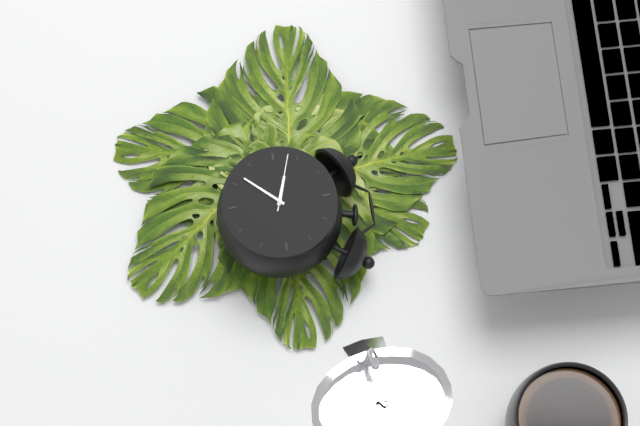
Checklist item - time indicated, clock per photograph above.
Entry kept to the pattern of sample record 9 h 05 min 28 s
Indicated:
9 h 37 min 48 s
